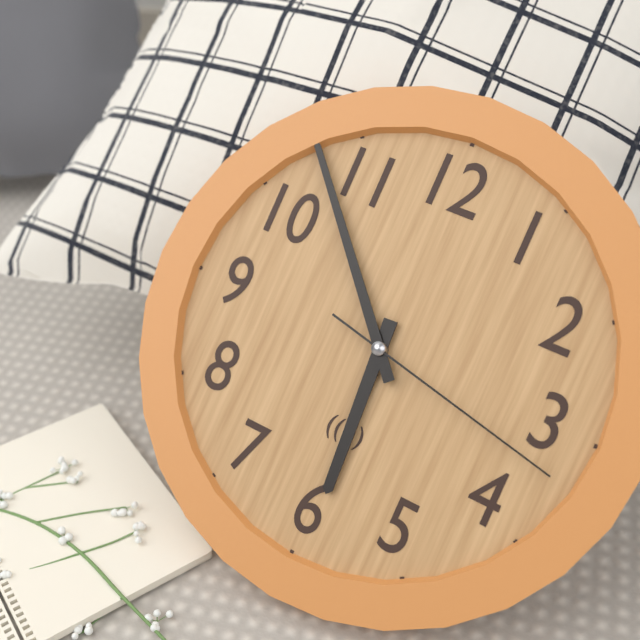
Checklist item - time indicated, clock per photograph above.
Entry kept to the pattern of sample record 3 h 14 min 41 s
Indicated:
5 h 53 min 17 s
